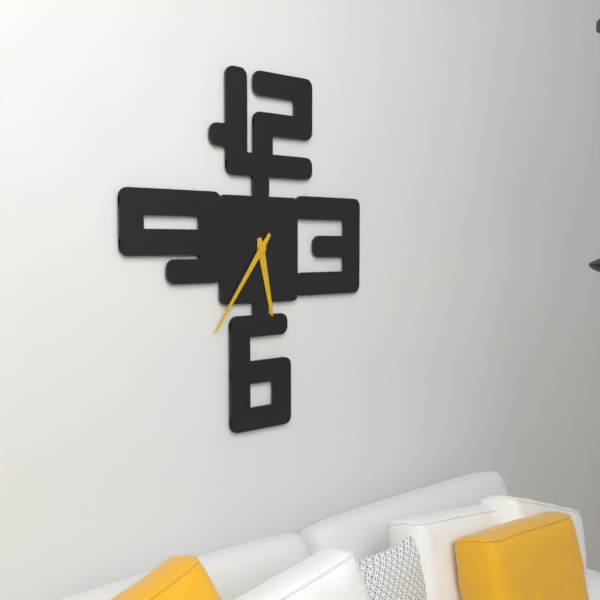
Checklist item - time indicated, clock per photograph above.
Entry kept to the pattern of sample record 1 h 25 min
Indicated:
5 h 36 min
